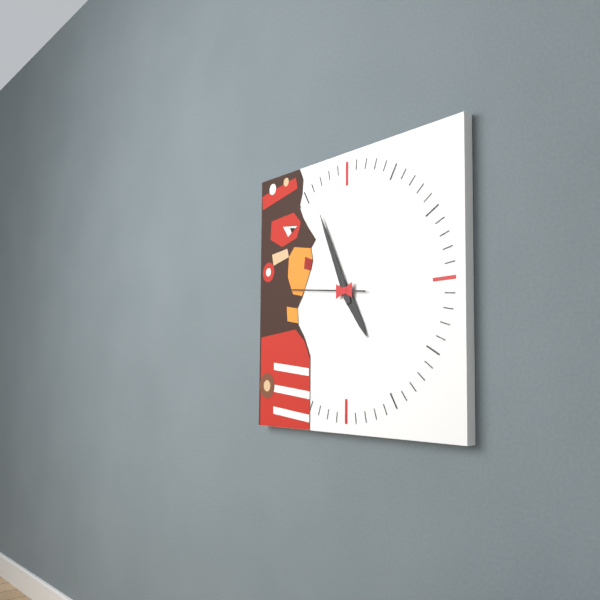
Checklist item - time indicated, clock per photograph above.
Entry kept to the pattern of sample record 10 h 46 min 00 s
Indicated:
4 h 56 min 46 s
